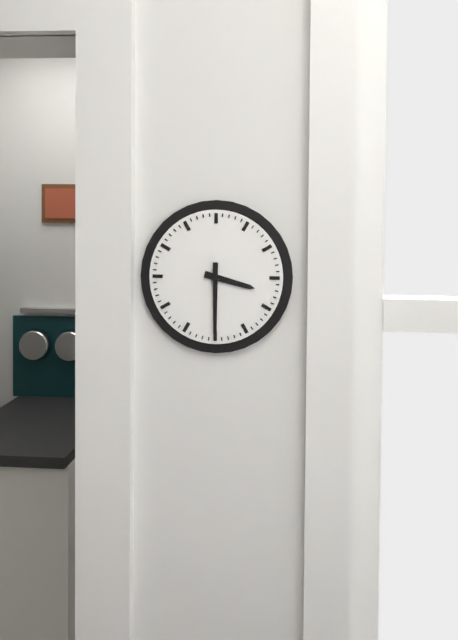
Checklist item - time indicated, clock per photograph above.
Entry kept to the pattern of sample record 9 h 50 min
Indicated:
3 h 30 min
